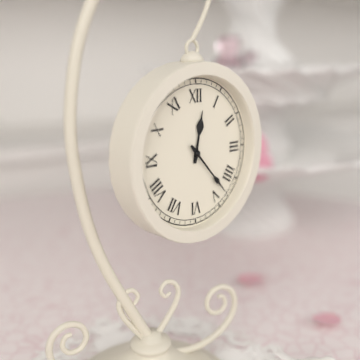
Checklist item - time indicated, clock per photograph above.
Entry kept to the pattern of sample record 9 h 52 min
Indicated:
12 h 23 min
